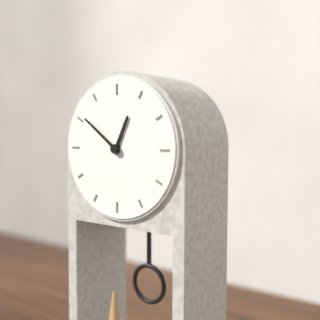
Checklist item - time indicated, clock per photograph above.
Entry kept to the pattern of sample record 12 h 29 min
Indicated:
12 h 51 min
